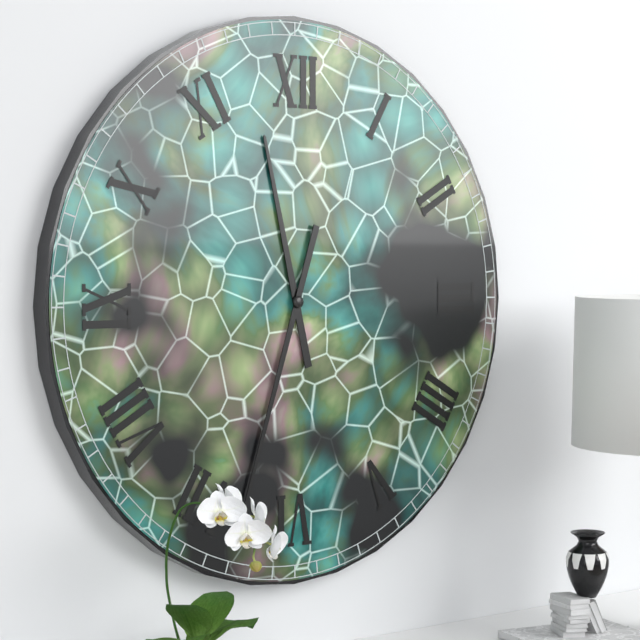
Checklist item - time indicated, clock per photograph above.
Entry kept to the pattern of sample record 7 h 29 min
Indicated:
11 h 33 min
